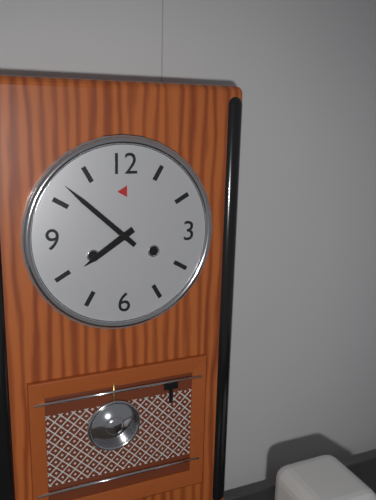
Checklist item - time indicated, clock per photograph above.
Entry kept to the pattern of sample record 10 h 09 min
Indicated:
7 h 52 min
